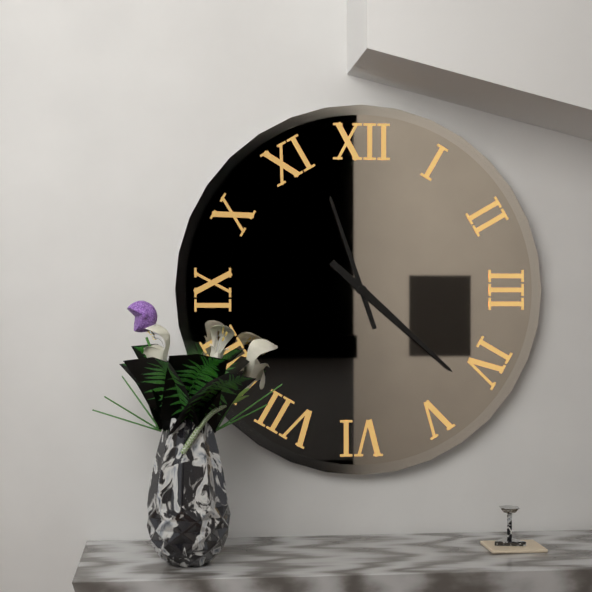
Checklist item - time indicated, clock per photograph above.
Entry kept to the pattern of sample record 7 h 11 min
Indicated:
11 h 22 min
